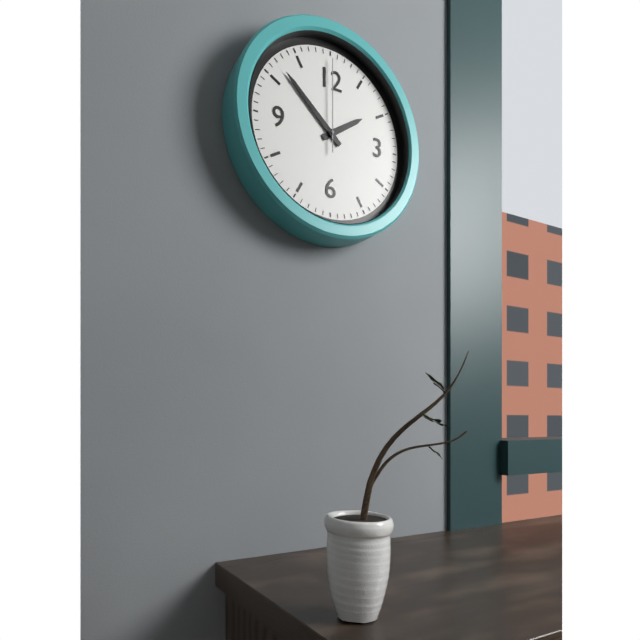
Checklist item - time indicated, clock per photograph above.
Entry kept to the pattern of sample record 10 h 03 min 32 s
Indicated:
1 h 52 min 00 s
